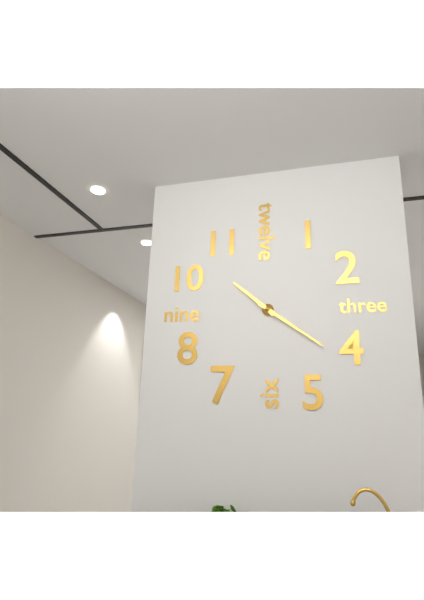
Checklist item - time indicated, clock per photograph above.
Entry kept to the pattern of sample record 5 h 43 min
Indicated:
10 h 21 min
